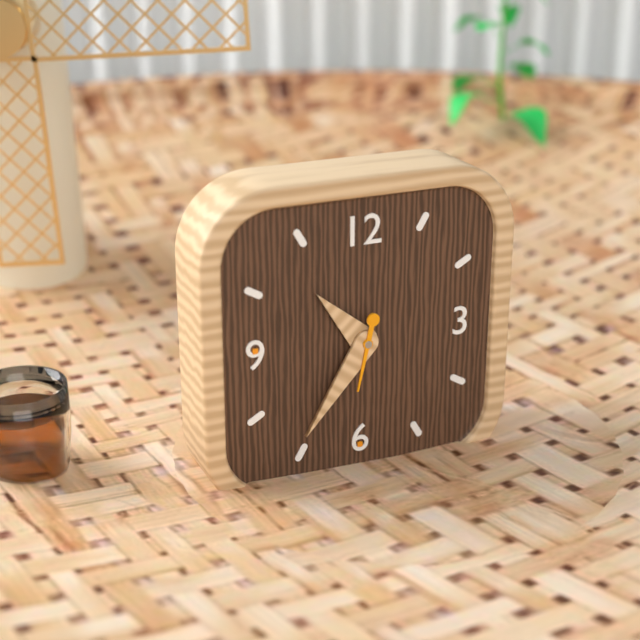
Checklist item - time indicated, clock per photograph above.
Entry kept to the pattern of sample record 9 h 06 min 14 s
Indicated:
10 h 36 min 32 s
